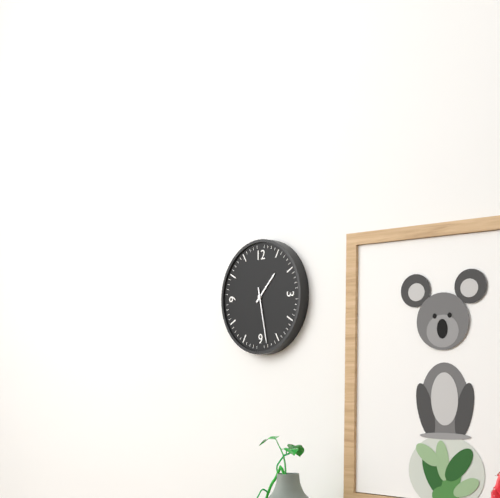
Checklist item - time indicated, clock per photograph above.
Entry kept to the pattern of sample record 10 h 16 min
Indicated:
1 h 28 min
